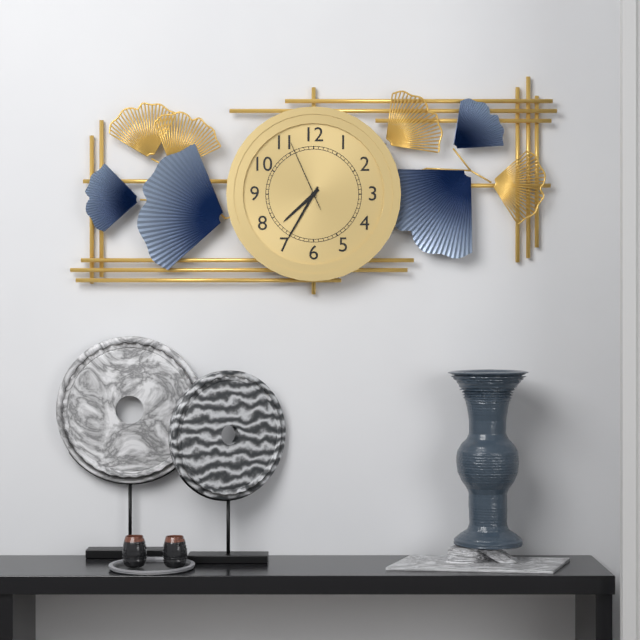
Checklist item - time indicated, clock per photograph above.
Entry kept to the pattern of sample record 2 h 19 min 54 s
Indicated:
7 h 35 min 56 s
